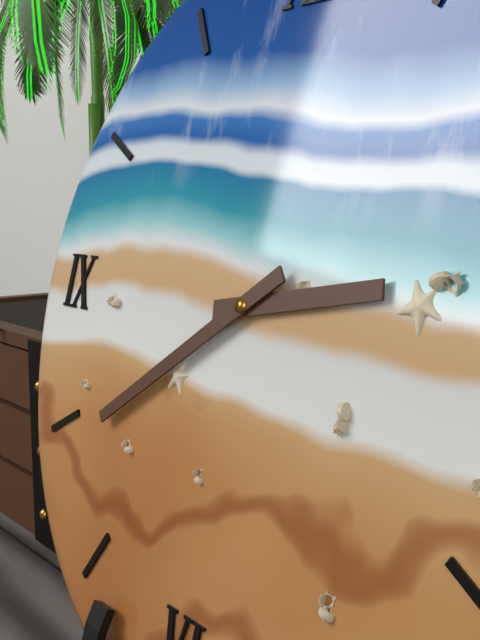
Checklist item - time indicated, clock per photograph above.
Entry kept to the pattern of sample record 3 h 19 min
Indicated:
2 h 39 min
